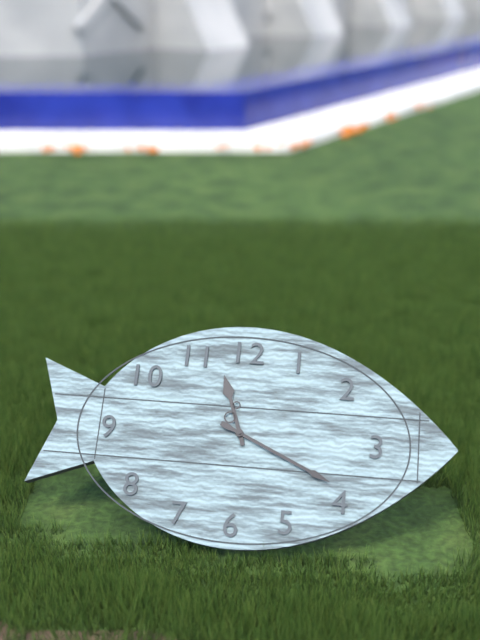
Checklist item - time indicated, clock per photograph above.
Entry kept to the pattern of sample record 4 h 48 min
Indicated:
11 h 19 min
